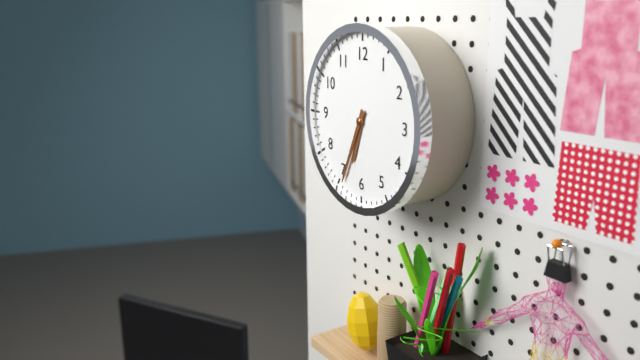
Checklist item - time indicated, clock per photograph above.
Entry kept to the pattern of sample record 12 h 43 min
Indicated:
6 h 34 min
